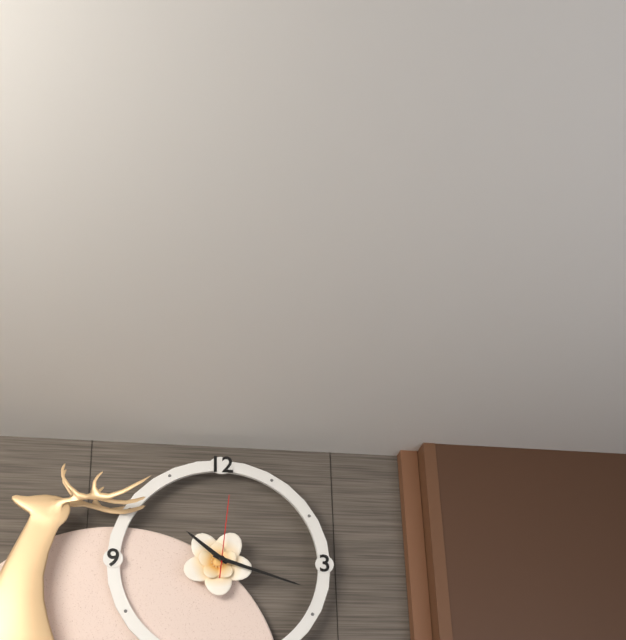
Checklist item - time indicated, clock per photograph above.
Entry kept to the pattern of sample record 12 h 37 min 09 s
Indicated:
10 h 18 min 01 s
